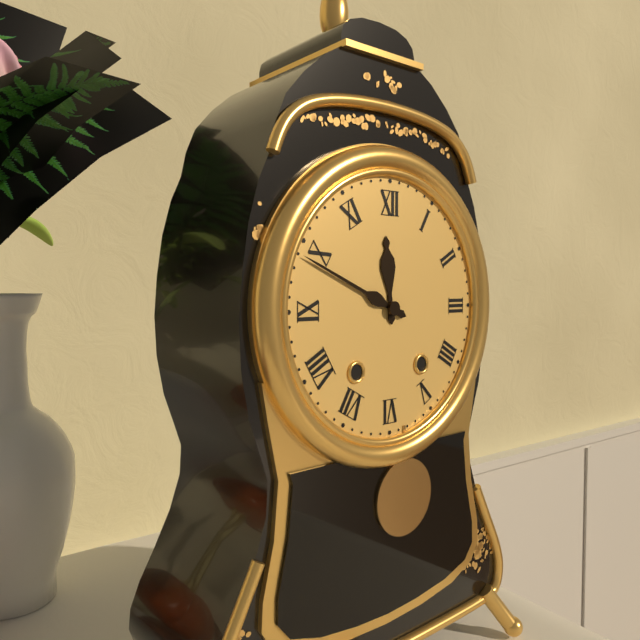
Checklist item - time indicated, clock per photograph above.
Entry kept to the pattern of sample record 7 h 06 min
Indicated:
11 h 49 min
